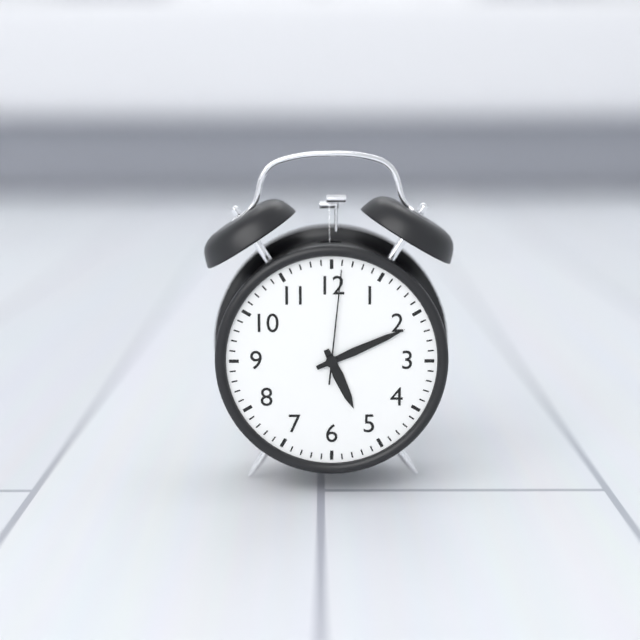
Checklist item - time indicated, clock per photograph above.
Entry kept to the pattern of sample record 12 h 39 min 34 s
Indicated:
5 h 11 min 01 s
